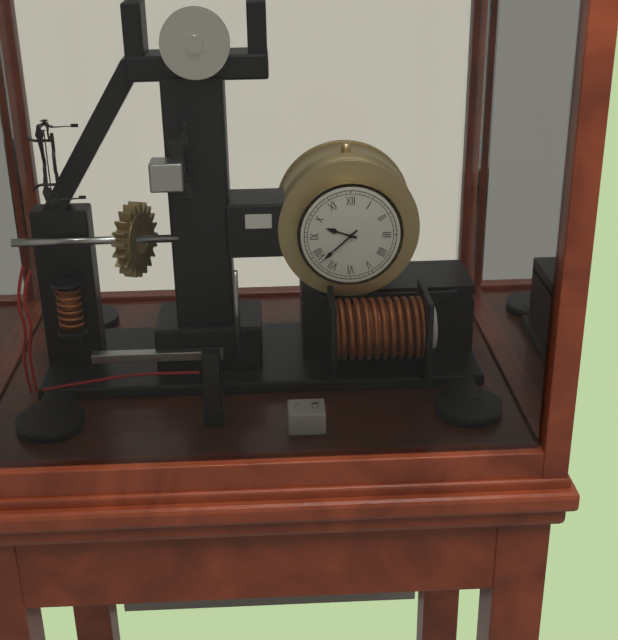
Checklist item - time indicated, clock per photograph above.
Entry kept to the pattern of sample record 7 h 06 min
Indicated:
9 h 38 min
